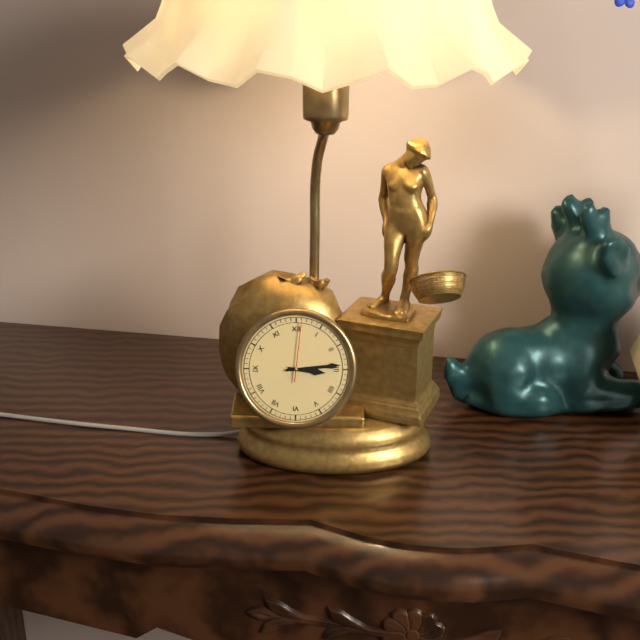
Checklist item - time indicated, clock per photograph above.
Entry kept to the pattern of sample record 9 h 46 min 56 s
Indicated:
3 h 14 min 01 s
